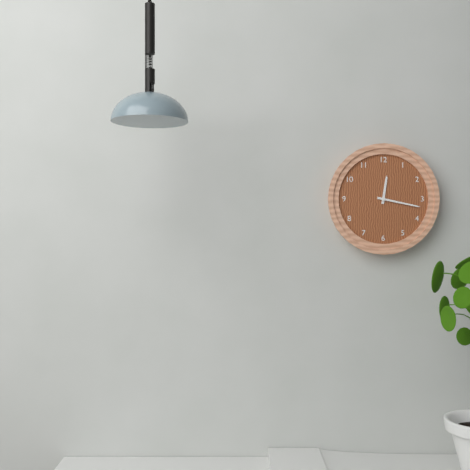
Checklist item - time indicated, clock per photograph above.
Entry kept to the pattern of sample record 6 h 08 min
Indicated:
12 h 17 min
